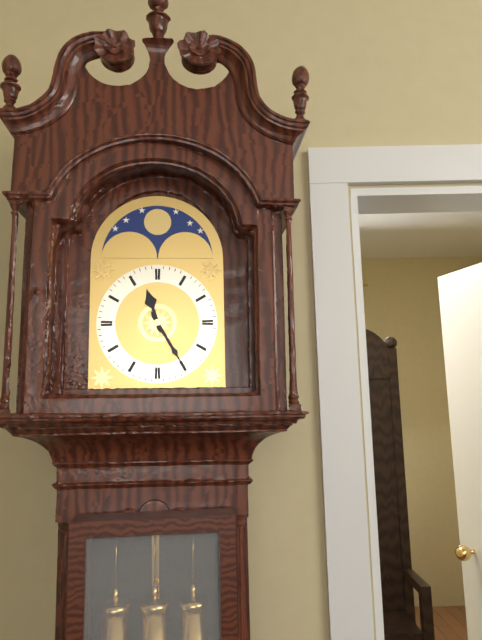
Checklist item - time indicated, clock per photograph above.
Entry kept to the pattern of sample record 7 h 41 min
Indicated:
11 h 25 min
